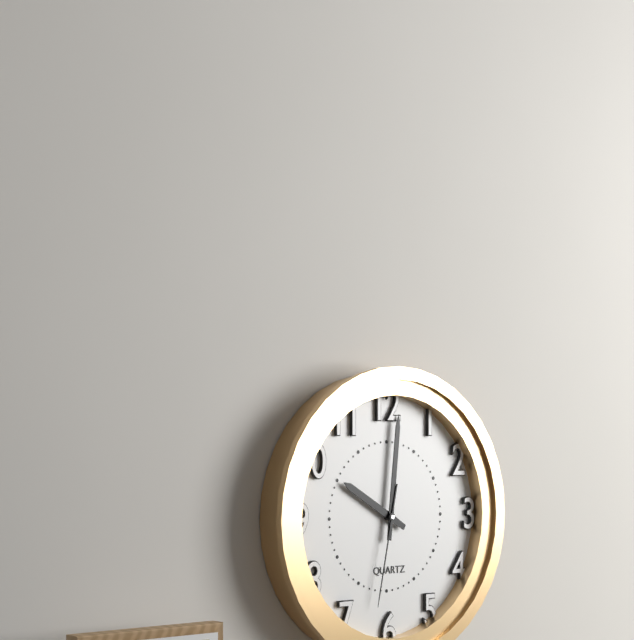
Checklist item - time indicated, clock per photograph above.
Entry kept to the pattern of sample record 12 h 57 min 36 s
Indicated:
10 h 01 min 32 s
